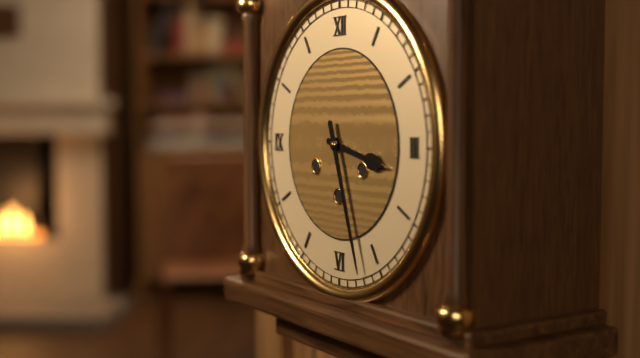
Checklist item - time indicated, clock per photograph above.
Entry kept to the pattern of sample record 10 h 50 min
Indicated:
3 h 27 min
